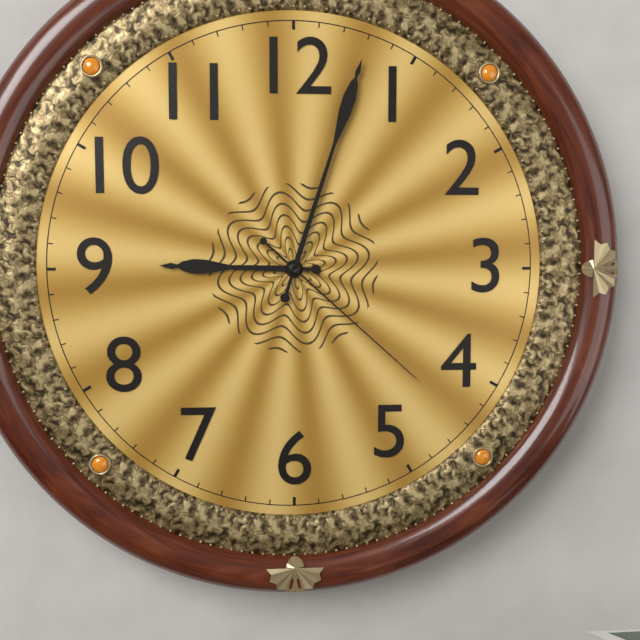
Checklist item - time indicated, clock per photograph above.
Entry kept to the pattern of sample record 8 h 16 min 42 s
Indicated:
9 h 03 min 22 s
